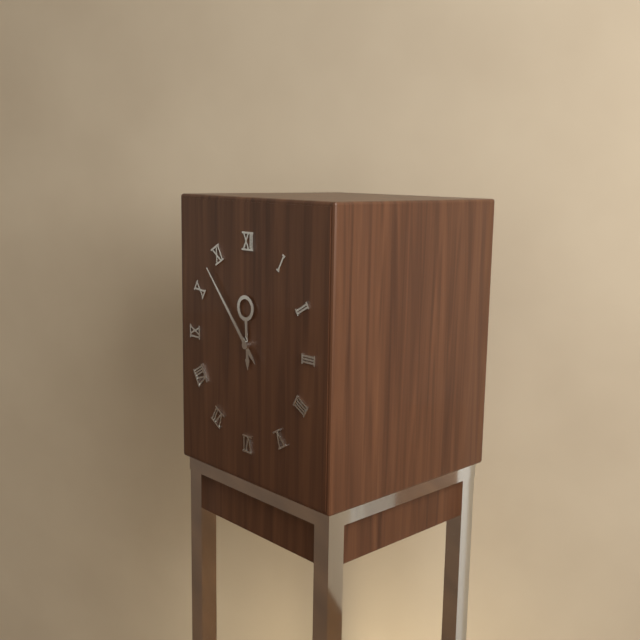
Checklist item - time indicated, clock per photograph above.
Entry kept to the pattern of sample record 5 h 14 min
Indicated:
11 h 53 min
